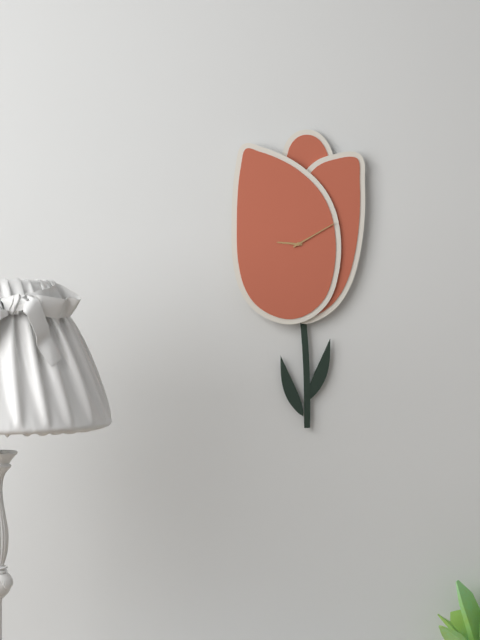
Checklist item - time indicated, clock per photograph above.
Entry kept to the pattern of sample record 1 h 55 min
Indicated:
9 h 10 min
